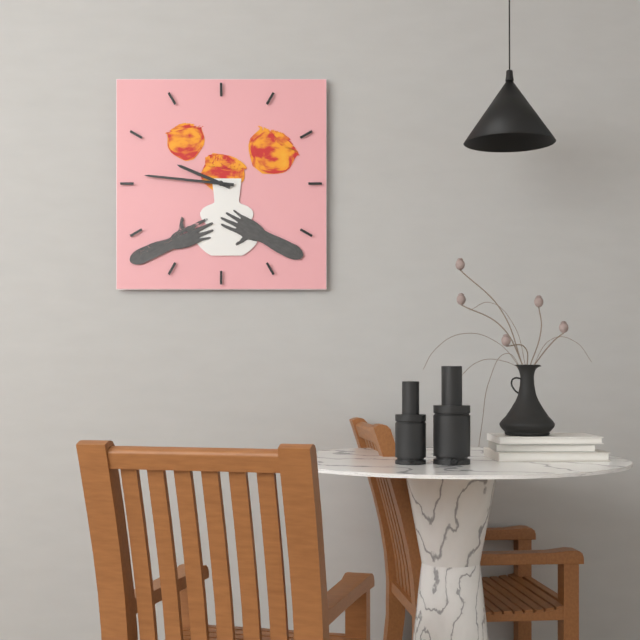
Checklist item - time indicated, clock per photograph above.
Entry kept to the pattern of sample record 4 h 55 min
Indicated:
9 h 46 min
